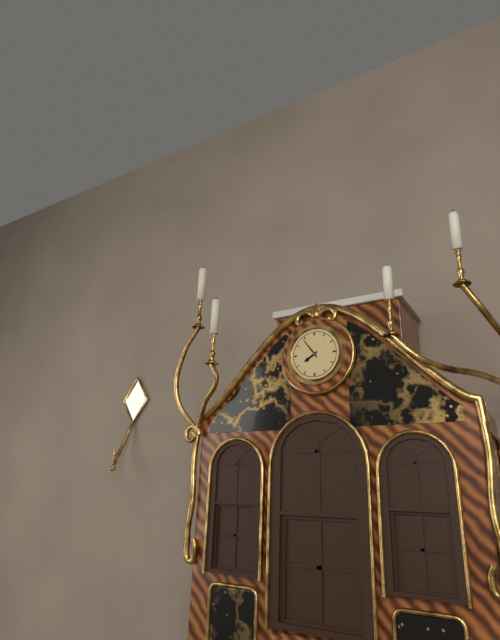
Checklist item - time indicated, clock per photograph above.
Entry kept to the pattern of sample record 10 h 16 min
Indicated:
7 h 54 min
